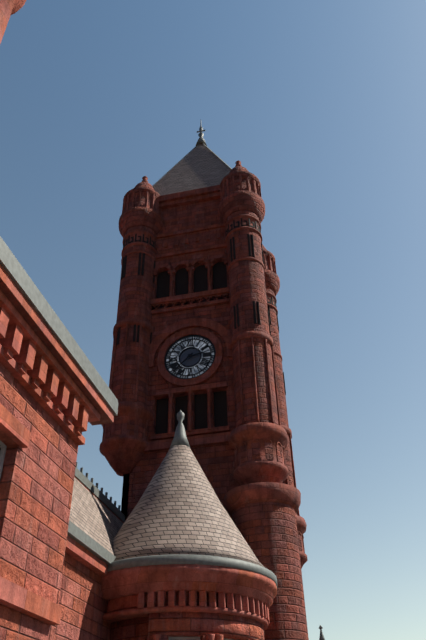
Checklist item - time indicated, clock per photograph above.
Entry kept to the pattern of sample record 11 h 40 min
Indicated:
2 h 38 min
